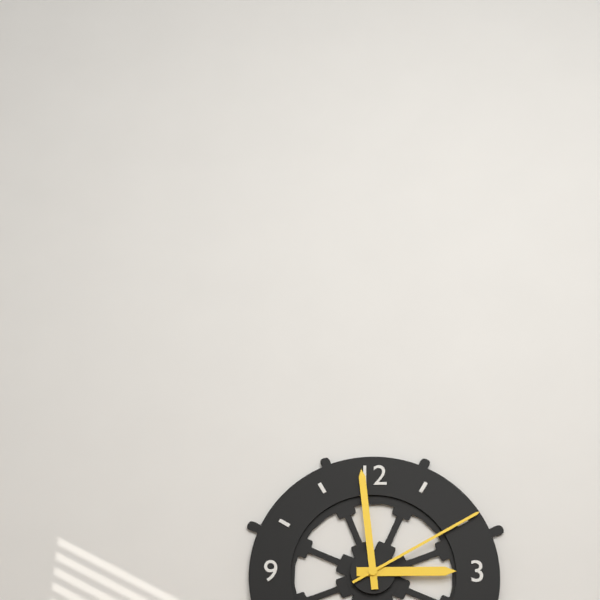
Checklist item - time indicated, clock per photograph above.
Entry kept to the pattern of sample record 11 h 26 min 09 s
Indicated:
2 h 59 min 10 s
